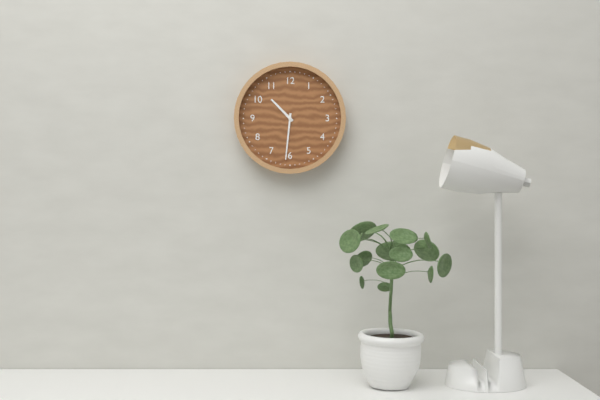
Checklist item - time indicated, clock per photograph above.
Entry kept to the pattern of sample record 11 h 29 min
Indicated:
10 h 31 min
